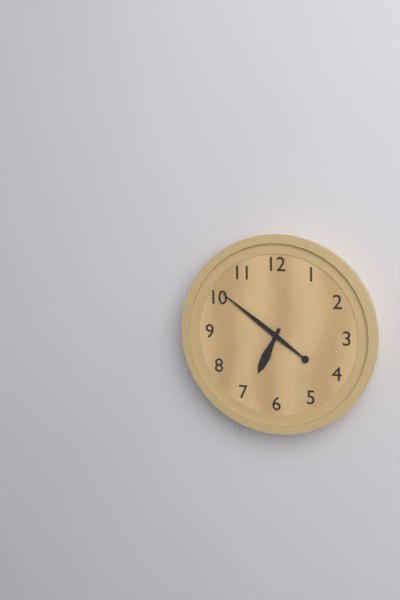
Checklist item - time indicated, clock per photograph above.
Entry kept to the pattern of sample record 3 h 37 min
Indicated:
6 h 51 min
